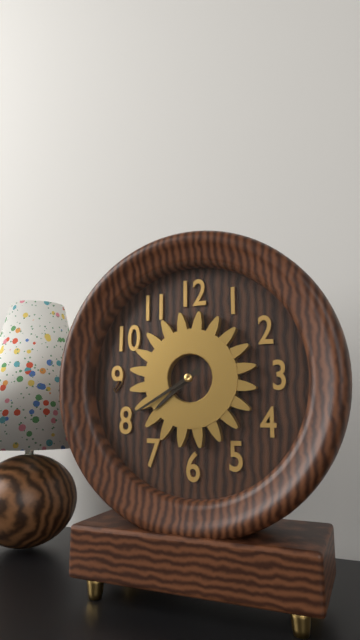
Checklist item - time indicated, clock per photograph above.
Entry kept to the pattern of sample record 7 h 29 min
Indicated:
7 h 40 min
